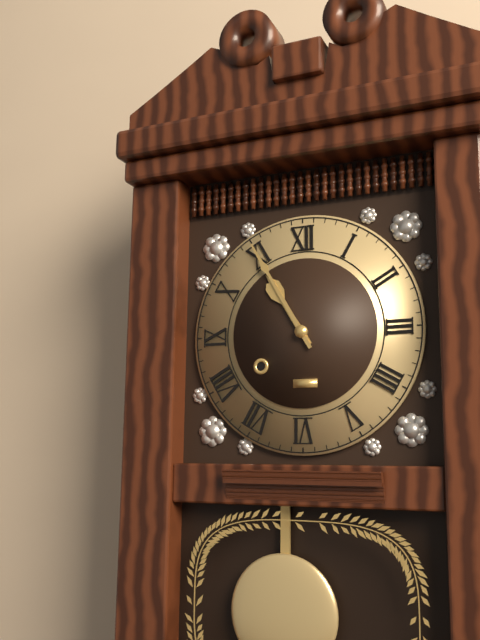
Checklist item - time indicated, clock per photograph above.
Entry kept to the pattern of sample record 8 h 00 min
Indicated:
10 h 55 min
